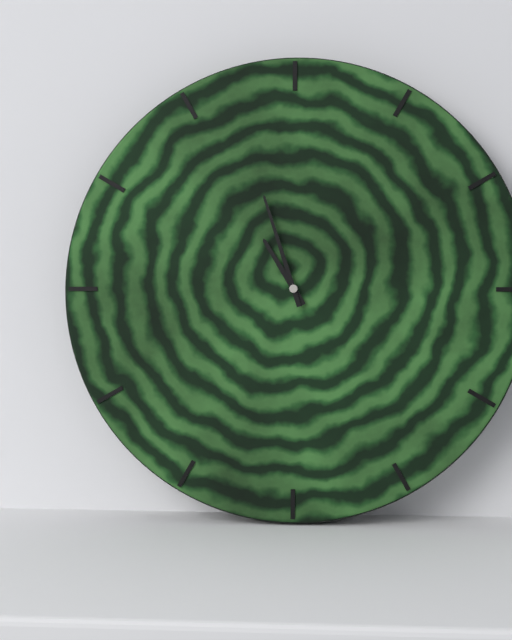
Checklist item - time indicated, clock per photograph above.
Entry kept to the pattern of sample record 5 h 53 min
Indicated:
10 h 57 min
